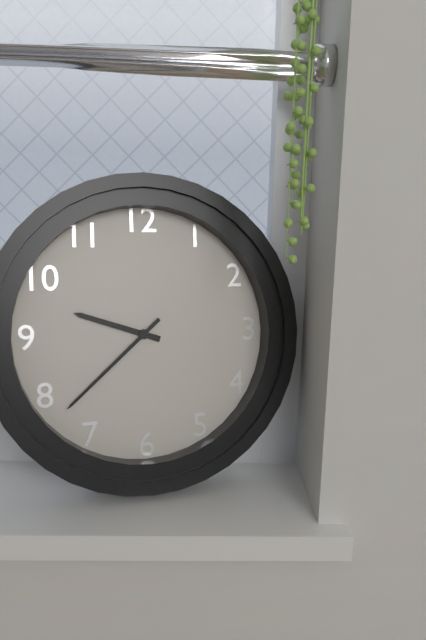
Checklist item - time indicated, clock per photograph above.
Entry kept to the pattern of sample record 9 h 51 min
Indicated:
9 h 38 min
